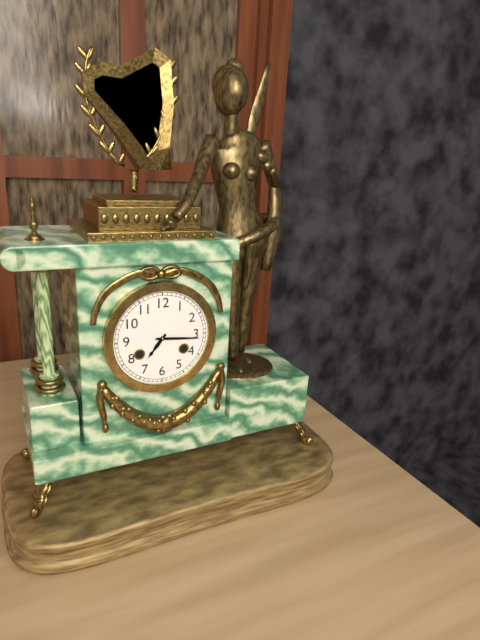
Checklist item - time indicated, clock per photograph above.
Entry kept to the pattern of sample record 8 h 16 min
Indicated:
7 h 16 min
